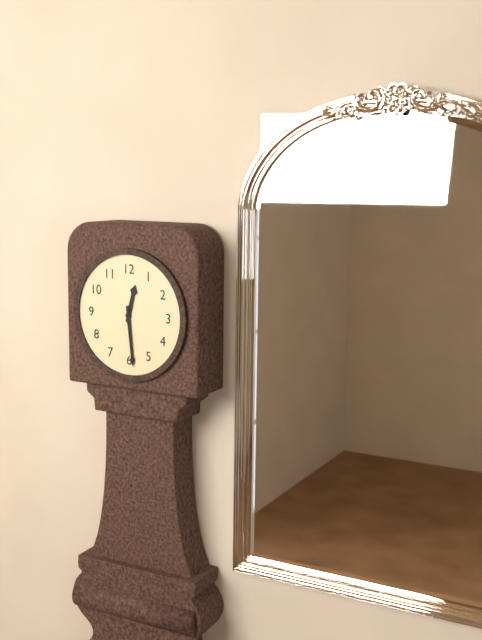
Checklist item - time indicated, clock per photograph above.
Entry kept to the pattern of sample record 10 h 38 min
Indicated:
12 h 29 min
